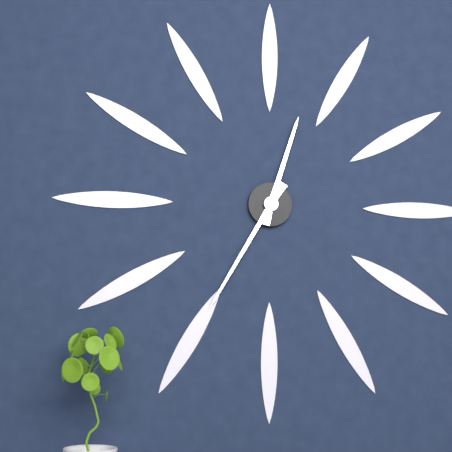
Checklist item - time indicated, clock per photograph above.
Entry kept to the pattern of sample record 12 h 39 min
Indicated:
12 h 35 min
